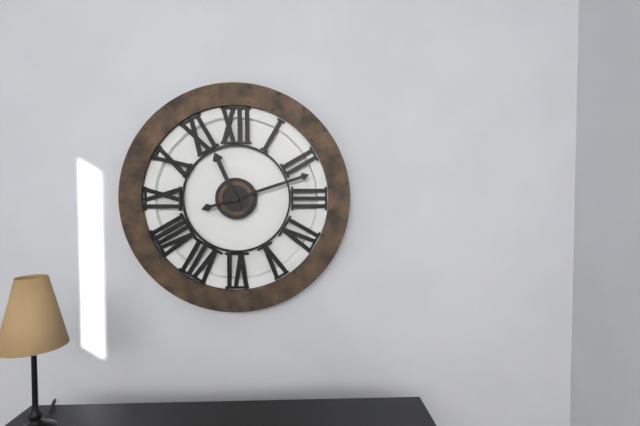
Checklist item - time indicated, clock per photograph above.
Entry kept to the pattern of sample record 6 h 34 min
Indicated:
11 h 12 min
